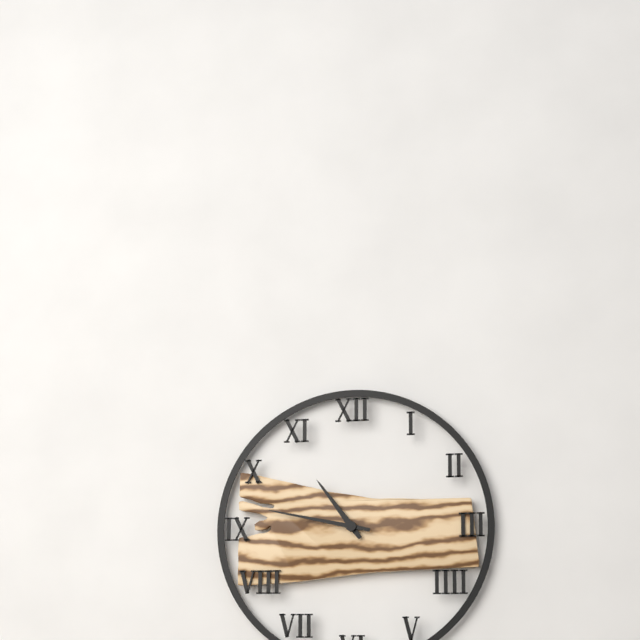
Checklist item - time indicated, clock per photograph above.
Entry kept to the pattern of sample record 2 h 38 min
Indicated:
10 h 47 min
